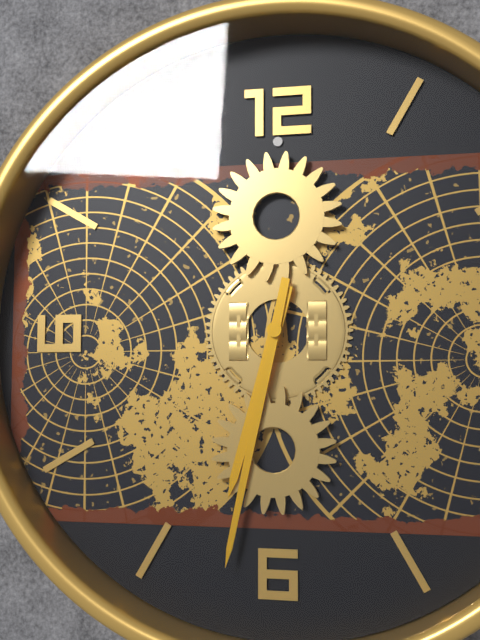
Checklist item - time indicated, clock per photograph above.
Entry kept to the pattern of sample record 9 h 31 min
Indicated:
6 h 32 min
